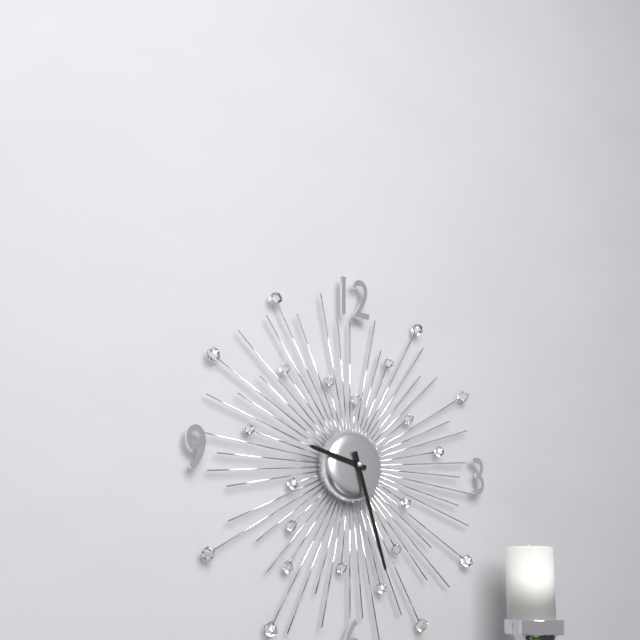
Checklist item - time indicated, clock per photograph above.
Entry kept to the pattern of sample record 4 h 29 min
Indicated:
9 h 27 min
